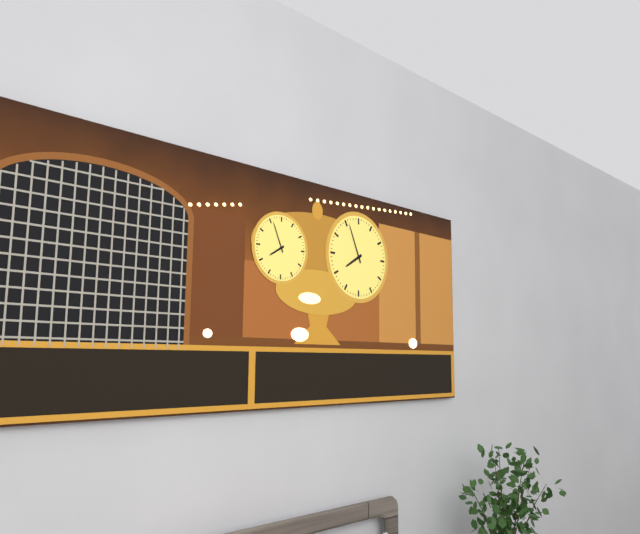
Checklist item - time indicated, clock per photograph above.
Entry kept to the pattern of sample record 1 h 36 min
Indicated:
7 h 56 min
